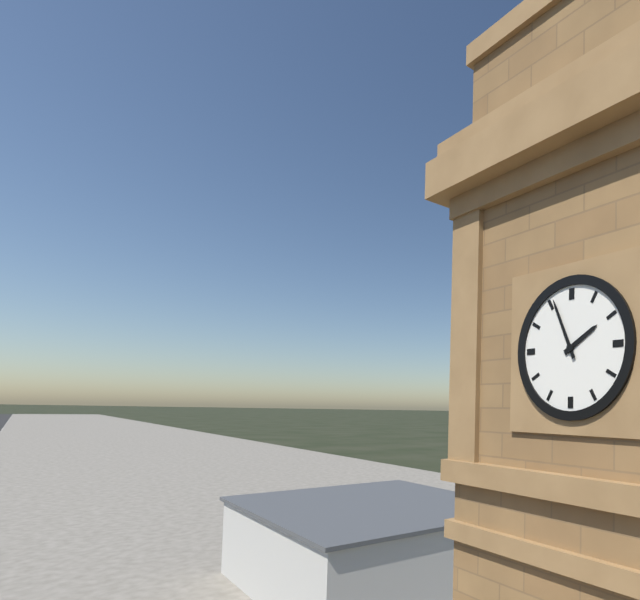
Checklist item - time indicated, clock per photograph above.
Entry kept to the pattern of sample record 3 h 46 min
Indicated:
1 h 56 min
